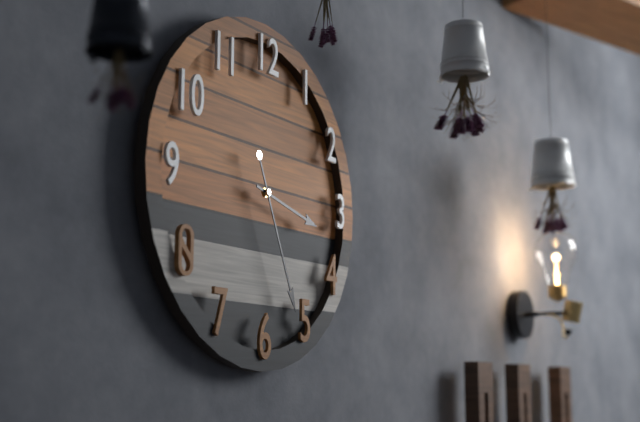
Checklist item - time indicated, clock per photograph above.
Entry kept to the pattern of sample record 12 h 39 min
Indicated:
3 h 26 min
